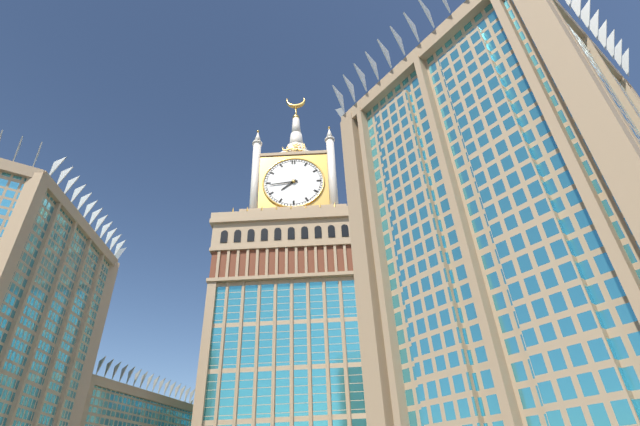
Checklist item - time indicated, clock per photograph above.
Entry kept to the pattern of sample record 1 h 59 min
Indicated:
7 h 44 min
